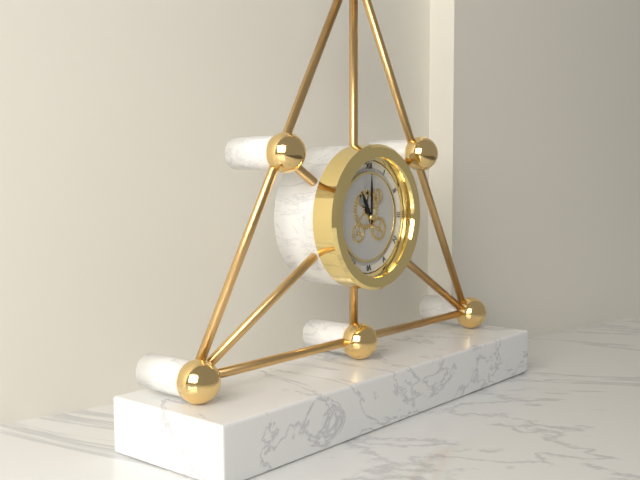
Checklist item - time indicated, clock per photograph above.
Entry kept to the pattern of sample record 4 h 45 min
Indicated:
11 h 00 min
